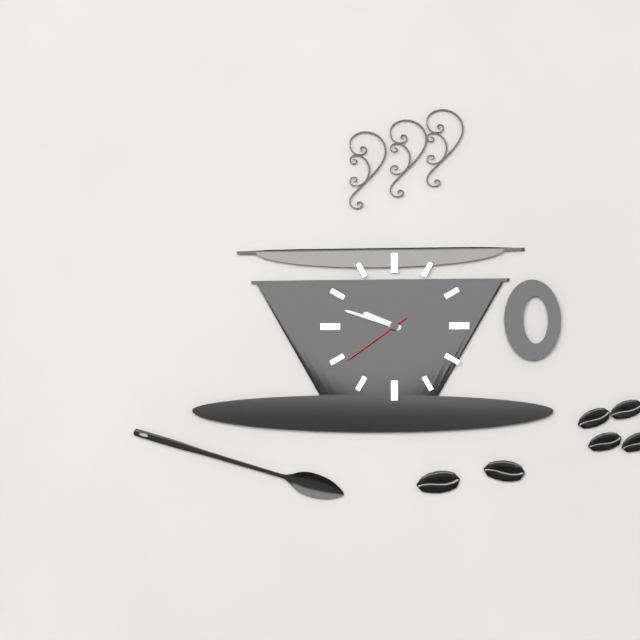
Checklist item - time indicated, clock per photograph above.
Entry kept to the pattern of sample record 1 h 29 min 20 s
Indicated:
9 h 48 min 39 s
